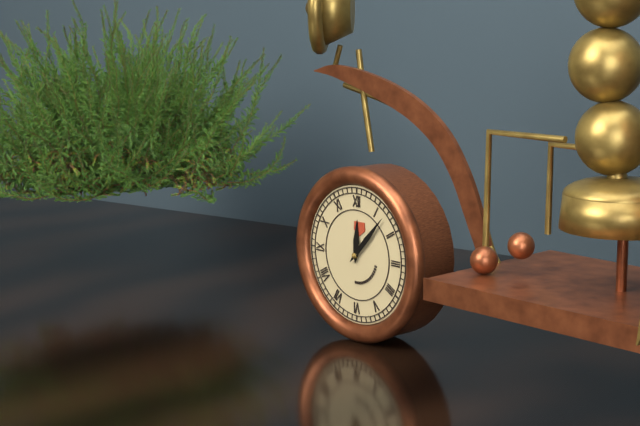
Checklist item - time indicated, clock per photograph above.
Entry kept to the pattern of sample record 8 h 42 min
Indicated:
12 h 07 min
